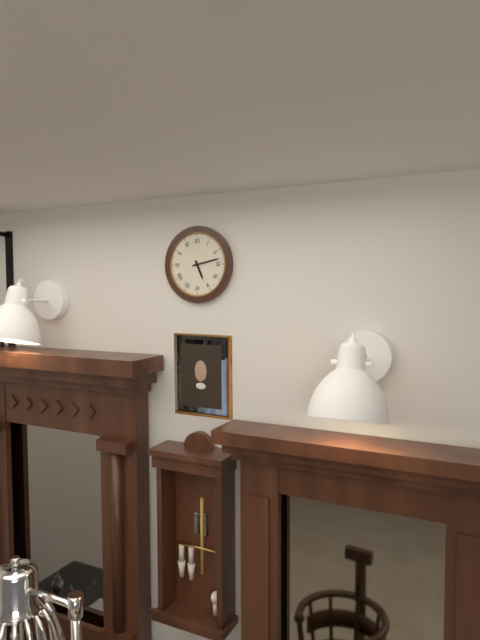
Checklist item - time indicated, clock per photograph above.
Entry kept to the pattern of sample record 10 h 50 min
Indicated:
5 h 13 min
